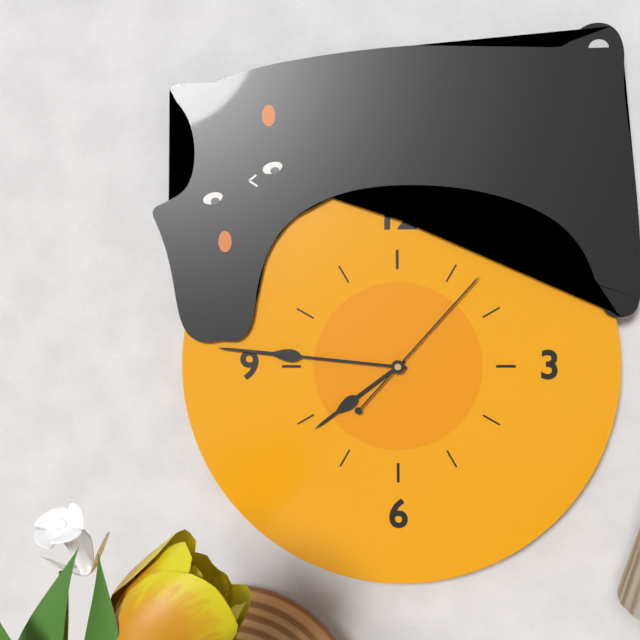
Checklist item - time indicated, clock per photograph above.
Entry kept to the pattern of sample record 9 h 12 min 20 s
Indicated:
7 h 46 min 07 s
